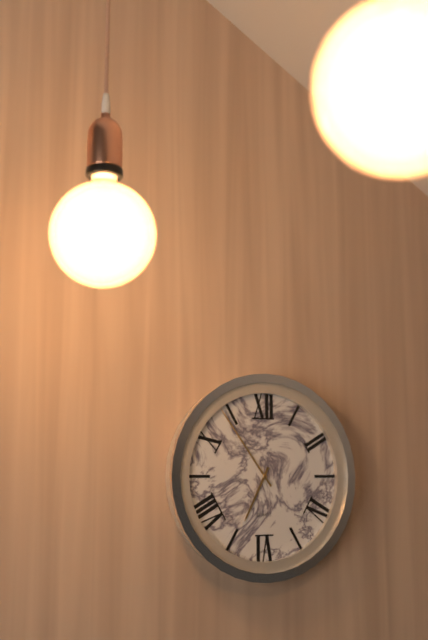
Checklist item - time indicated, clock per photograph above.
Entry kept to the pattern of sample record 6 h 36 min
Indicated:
6 h 54 min
